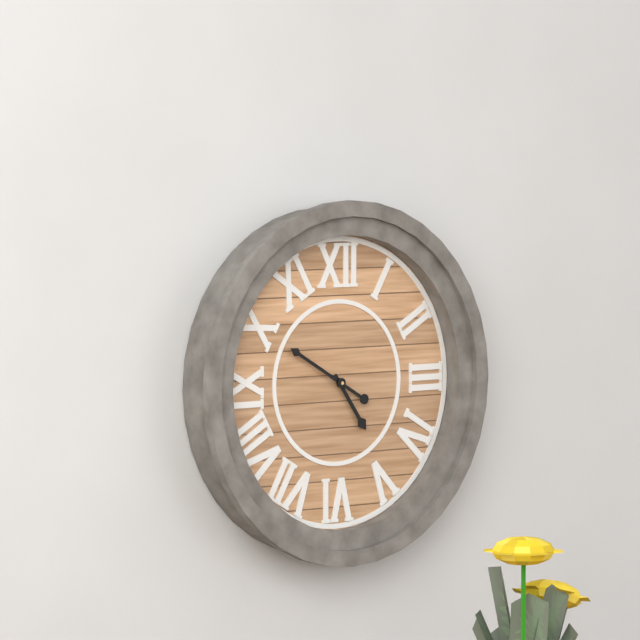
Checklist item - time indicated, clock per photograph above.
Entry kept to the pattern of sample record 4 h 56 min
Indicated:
4 h 50 min
